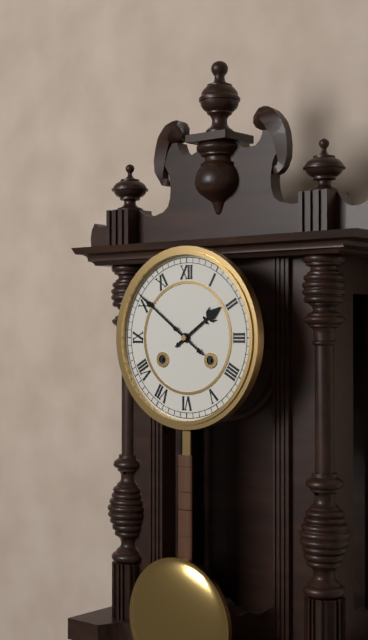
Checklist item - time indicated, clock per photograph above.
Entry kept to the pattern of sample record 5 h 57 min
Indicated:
1 h 51 min
